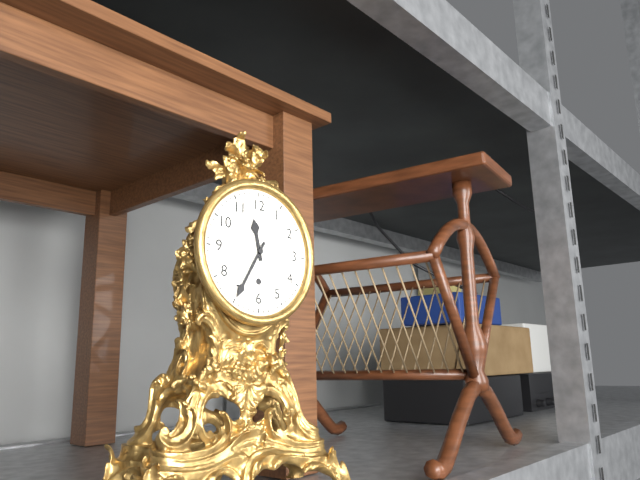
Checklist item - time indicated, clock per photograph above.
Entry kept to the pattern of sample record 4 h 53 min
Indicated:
11 h 35 min
